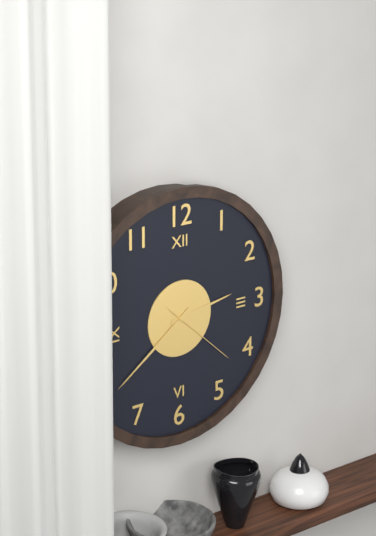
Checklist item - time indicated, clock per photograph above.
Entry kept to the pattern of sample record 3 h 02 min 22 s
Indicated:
2 h 39 min 22 s
